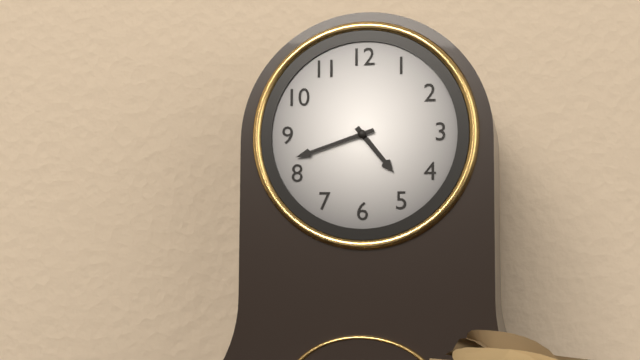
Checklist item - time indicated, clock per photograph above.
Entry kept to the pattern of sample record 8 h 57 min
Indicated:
4 h 42 min
